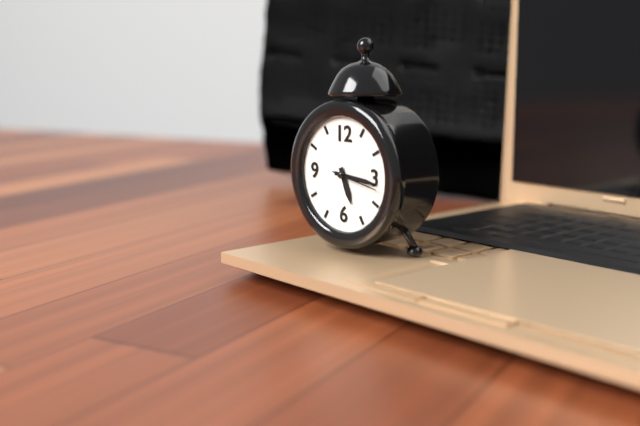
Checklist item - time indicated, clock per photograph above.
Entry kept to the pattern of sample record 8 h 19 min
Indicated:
5 h 16 min
